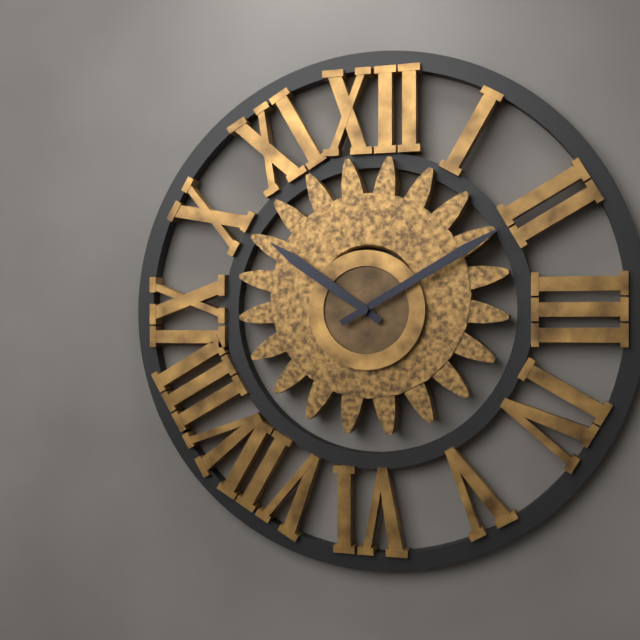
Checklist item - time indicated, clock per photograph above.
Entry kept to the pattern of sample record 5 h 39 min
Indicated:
10 h 10 min
